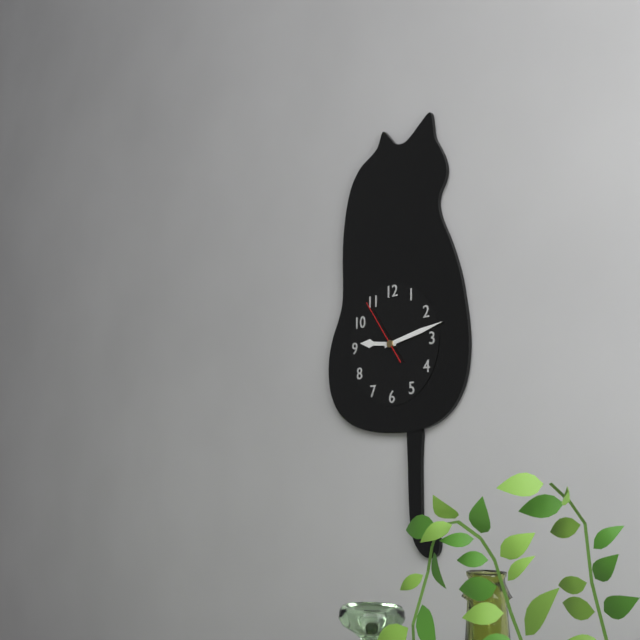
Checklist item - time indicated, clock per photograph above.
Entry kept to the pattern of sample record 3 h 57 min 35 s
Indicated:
9 h 13 min 54 s
